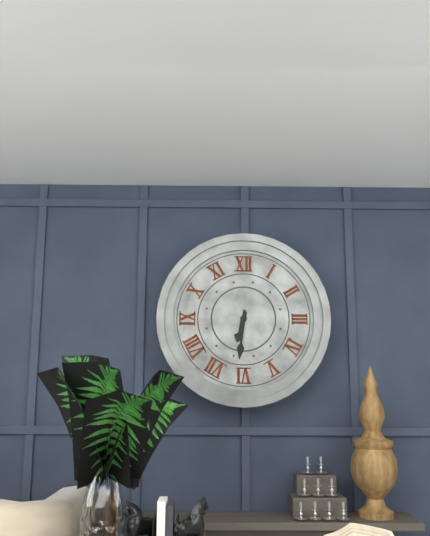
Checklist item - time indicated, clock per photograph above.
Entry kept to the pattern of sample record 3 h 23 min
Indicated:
6 h 31 min
